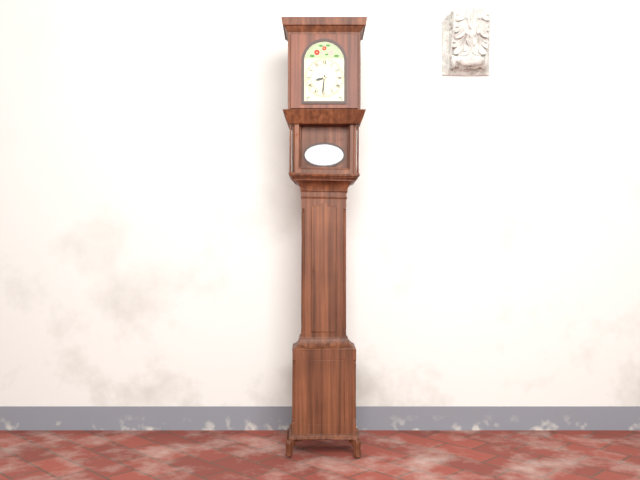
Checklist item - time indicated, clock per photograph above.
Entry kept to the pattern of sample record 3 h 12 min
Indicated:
8 h 31 min
